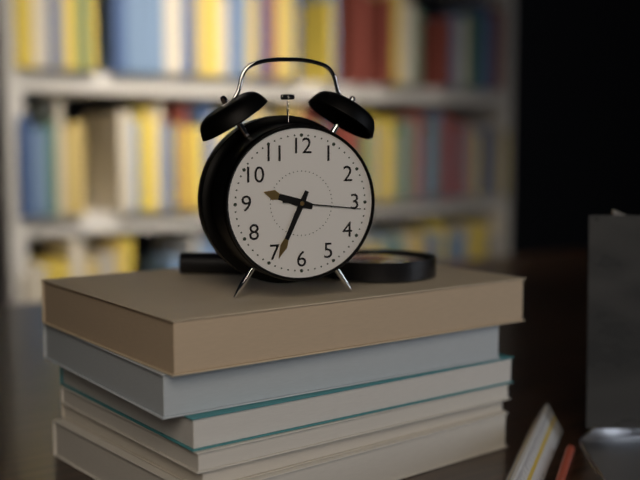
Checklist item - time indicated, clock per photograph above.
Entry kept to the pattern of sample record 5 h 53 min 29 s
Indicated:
9 h 34 min 16 s
